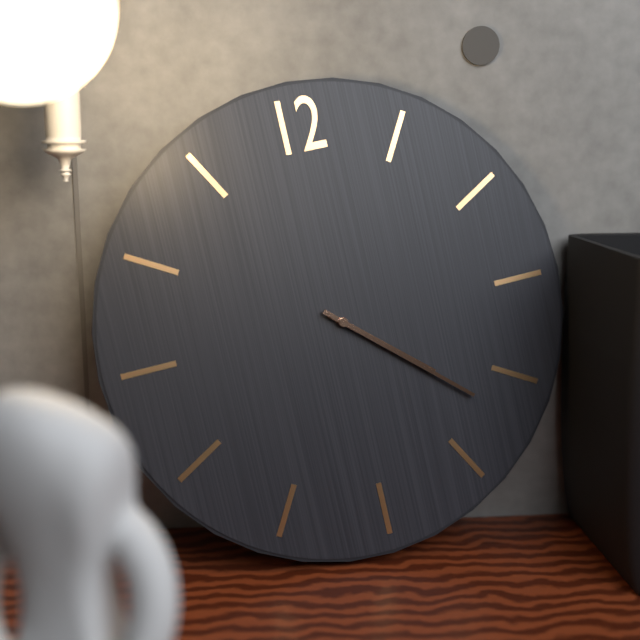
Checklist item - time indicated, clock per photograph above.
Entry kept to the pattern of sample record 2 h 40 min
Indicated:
4 h 22 min
